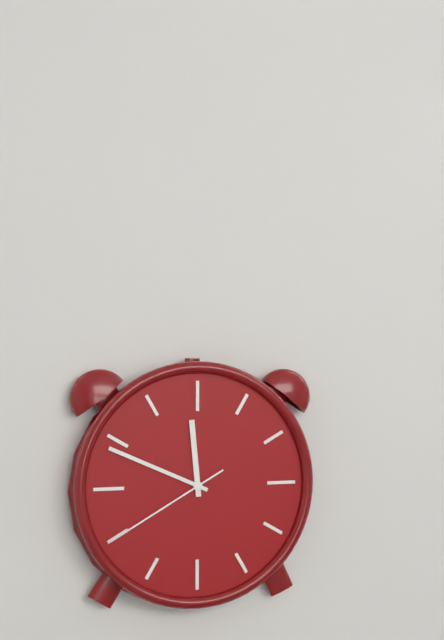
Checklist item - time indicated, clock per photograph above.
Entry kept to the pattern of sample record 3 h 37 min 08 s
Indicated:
11 h 49 min 40 s
